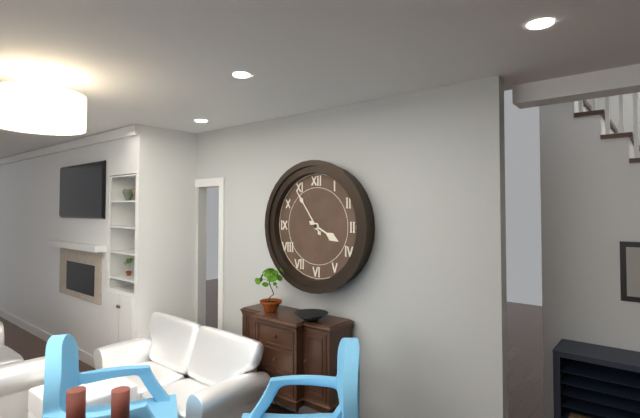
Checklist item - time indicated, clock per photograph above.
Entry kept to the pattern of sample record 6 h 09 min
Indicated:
3 h 54 min
